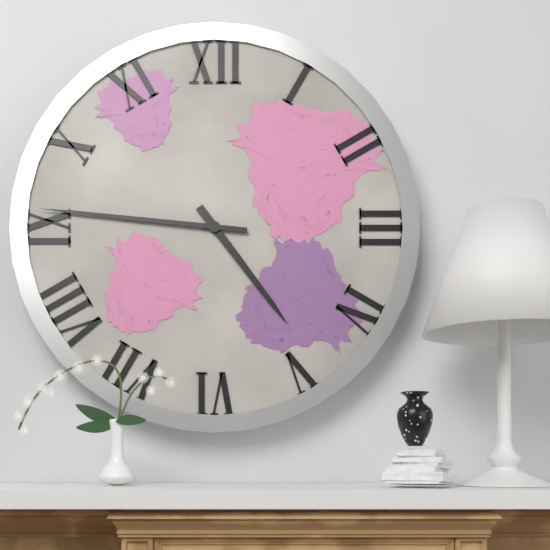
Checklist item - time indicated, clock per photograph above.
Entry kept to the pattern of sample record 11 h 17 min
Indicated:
4 h 46 min
